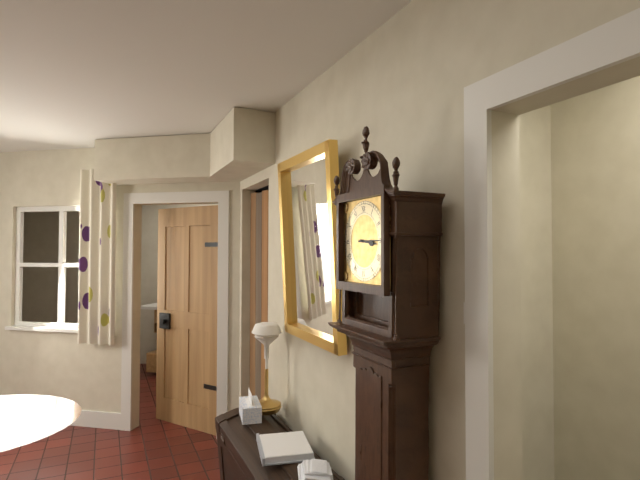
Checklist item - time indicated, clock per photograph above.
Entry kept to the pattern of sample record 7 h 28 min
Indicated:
3 h 15 min
